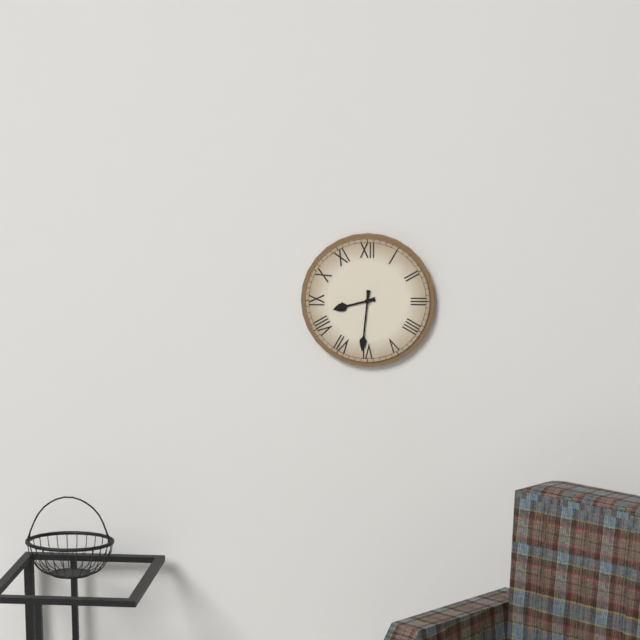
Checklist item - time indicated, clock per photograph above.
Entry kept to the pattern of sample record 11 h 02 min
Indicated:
8 h 31 min
